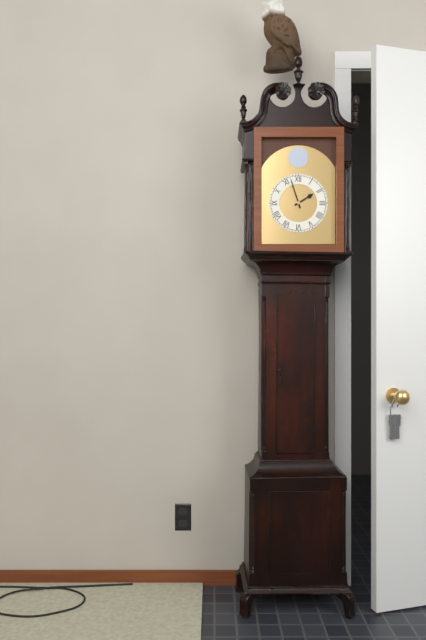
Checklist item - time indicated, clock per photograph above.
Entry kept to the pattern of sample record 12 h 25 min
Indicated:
1 h 57 min
